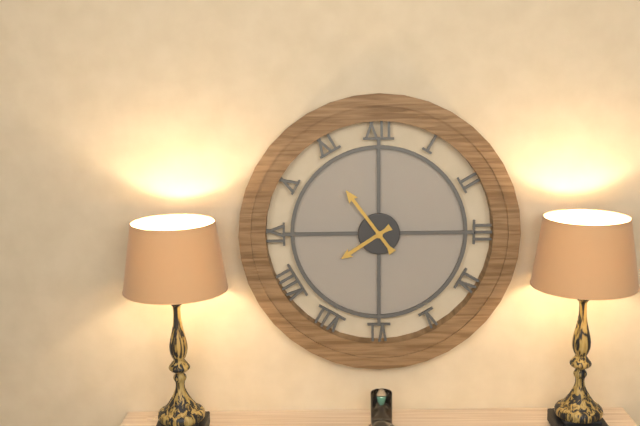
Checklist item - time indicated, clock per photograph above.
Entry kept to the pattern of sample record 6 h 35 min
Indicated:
7 h 54 min
